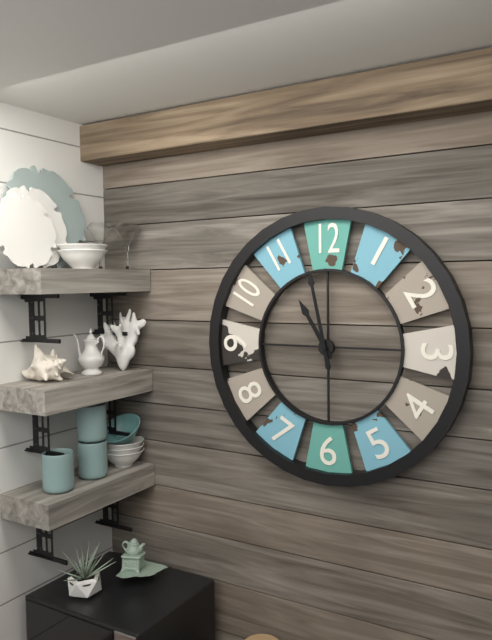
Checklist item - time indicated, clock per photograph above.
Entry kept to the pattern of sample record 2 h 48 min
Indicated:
10 h 58 min
